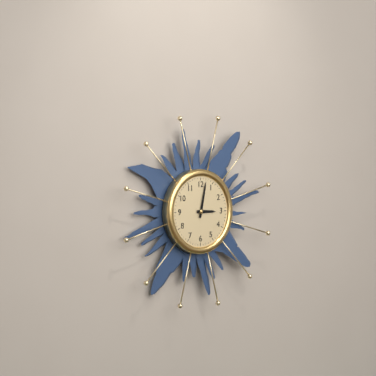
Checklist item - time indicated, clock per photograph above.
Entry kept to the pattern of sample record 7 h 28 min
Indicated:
3 h 02 min
